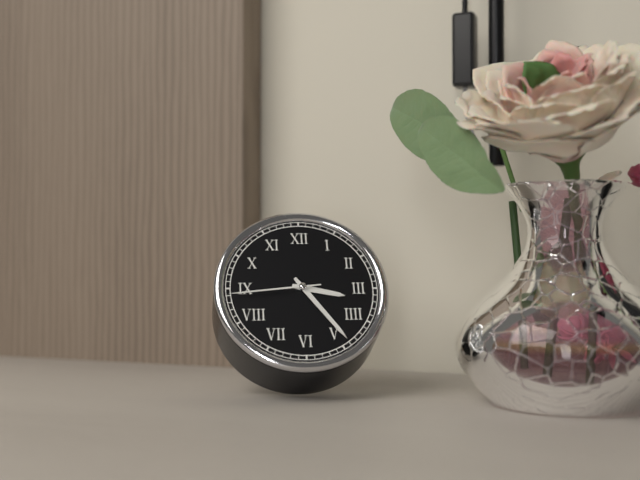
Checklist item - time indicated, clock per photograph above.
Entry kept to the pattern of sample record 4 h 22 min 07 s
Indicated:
3 h 24 min 44 s
